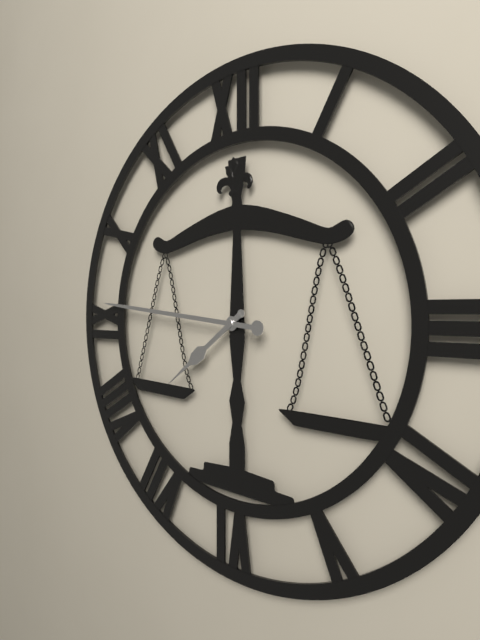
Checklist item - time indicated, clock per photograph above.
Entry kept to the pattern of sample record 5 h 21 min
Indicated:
7 h 46 min
